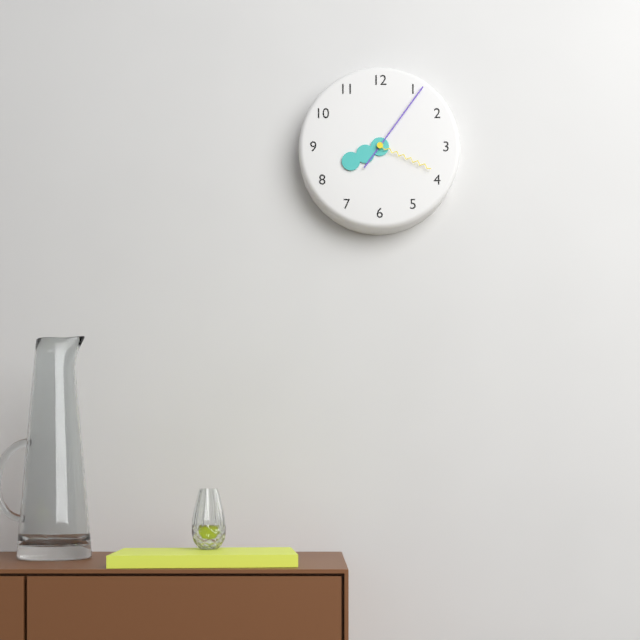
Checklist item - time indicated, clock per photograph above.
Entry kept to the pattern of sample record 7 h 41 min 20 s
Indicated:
8 h 06 min 19 s
